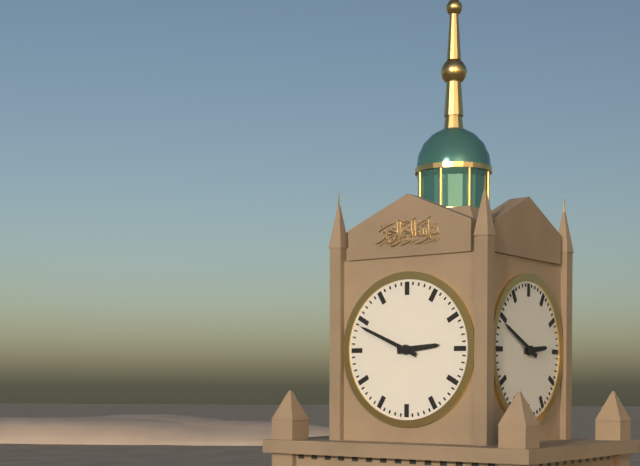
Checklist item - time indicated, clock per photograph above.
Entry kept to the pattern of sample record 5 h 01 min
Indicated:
2 h 49 min
